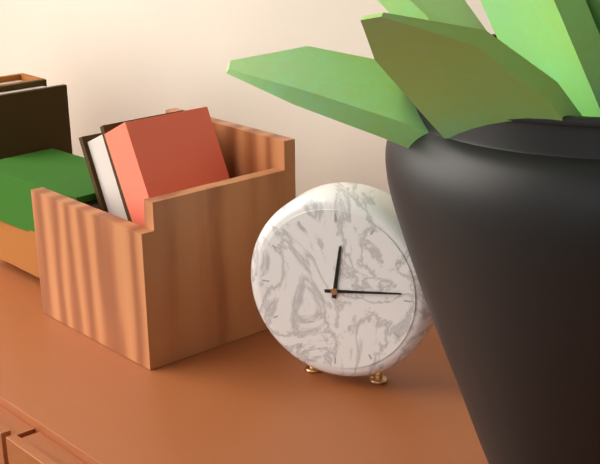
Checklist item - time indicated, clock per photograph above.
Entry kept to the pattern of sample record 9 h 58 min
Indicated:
12 h 14 min
